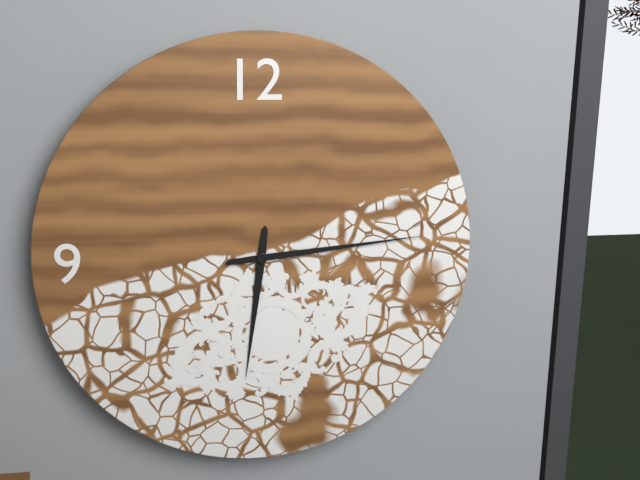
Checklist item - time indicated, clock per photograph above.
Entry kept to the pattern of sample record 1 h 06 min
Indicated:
6 h 14 min
